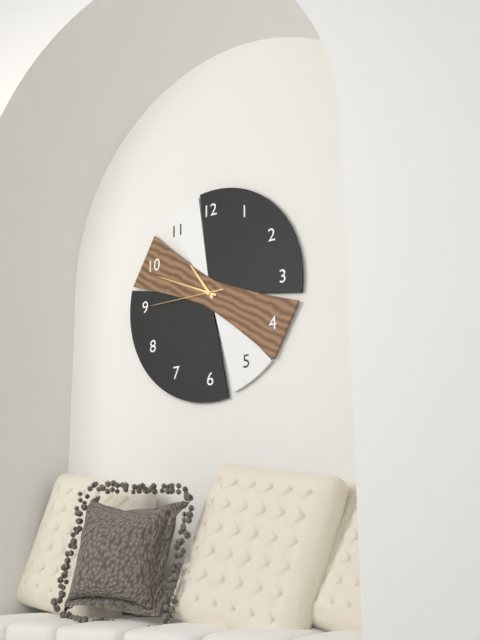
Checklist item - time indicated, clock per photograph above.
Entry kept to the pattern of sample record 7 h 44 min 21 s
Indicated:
10 h 49 min 45 s
